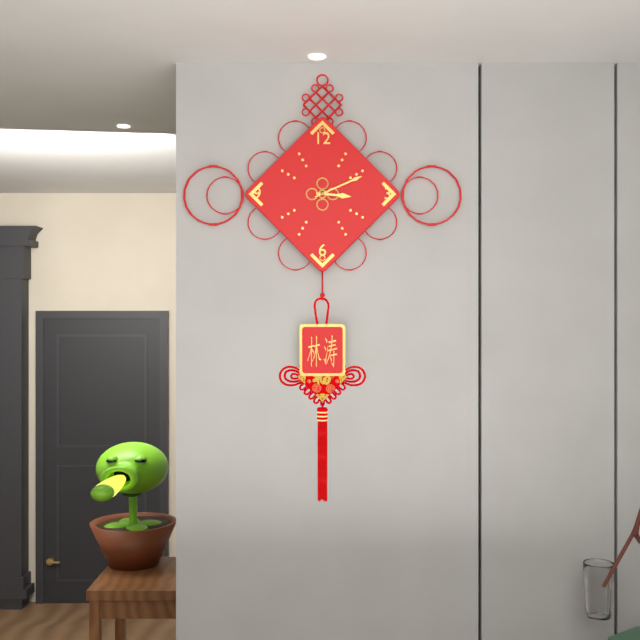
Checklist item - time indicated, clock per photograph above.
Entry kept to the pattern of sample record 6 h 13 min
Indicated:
3 h 11 min
